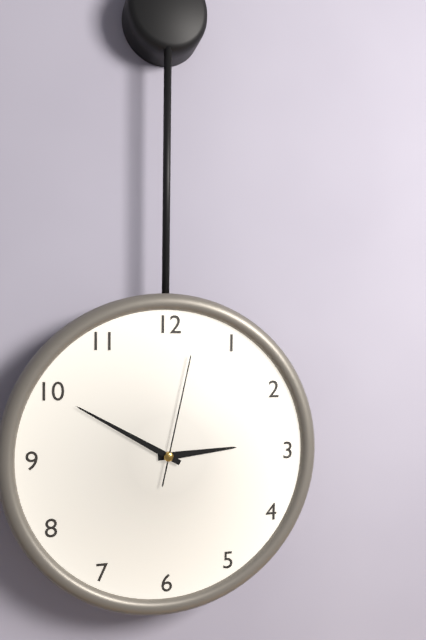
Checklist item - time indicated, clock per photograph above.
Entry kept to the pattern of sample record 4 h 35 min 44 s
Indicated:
2 h 50 min 02 s
